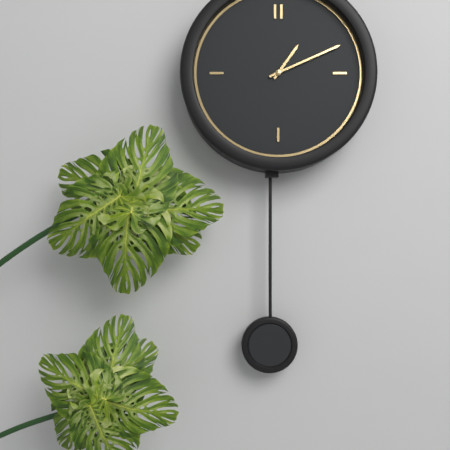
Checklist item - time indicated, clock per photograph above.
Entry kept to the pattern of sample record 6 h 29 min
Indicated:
1 h 11 min
